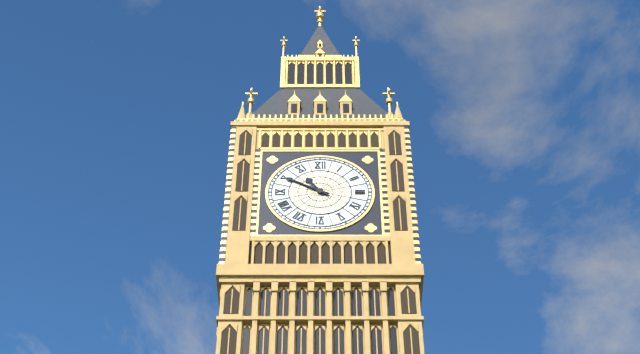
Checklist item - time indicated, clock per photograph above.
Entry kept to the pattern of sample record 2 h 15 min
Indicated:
10 h 50 min
